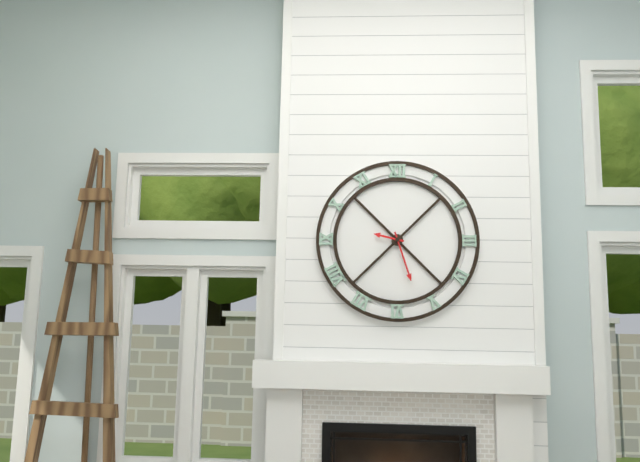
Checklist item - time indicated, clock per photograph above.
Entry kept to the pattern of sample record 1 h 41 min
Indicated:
9 h 27 min
